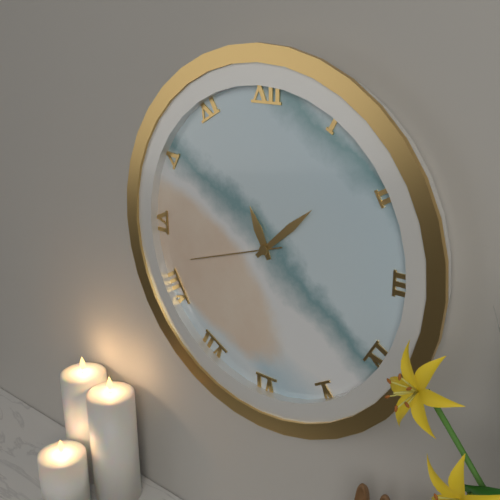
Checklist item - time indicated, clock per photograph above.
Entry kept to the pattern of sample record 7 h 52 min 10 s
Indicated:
11 h 08 min 42 s
